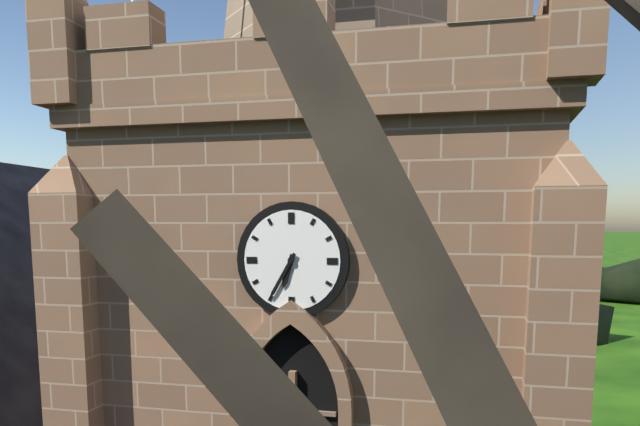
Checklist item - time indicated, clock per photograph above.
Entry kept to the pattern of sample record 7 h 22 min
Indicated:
6 h 35 min
